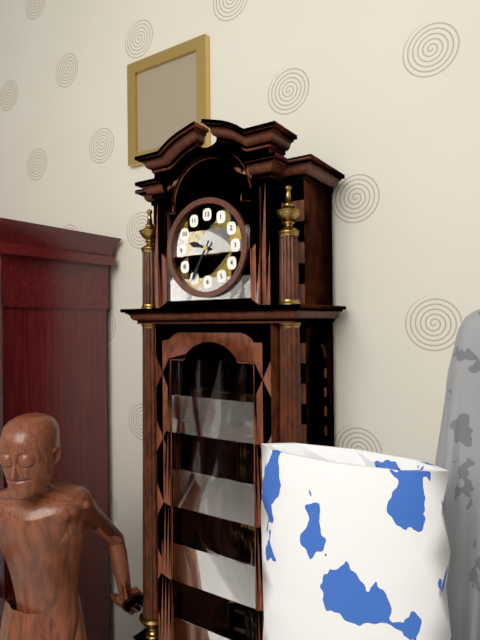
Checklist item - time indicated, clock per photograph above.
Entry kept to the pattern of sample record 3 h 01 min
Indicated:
9 h 35 min
